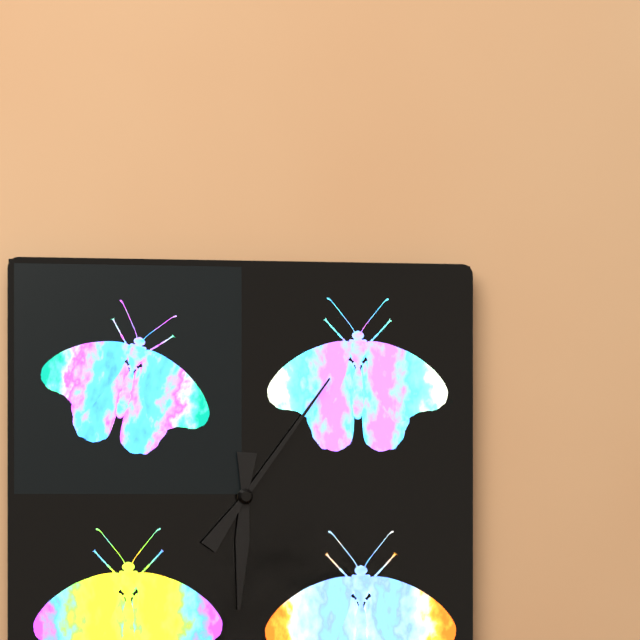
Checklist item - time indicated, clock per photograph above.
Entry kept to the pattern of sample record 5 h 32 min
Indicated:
6 h 06 min
